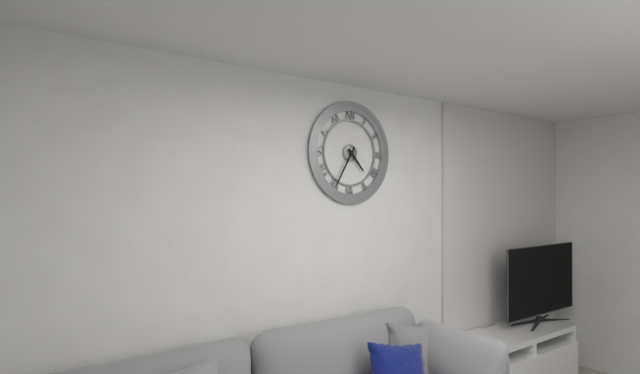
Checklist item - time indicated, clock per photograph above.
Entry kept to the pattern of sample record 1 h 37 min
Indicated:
4 h 35 min
